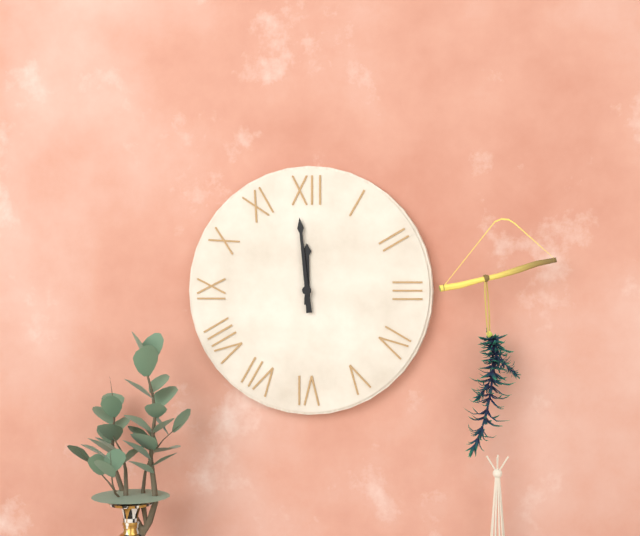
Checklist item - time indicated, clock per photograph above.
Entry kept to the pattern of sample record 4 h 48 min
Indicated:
11 h 59 min
